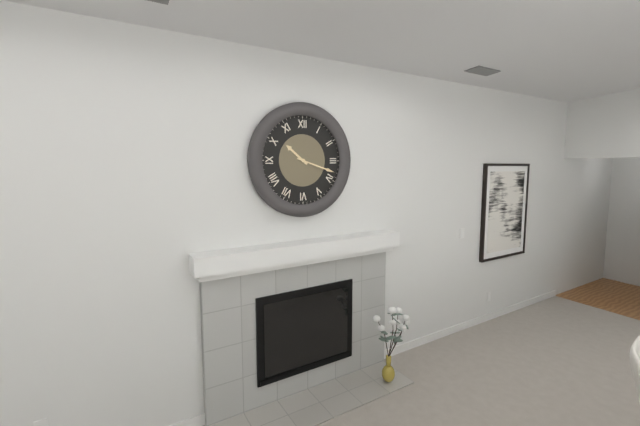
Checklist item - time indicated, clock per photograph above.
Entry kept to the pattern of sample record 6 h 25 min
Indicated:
10 h 18 min
